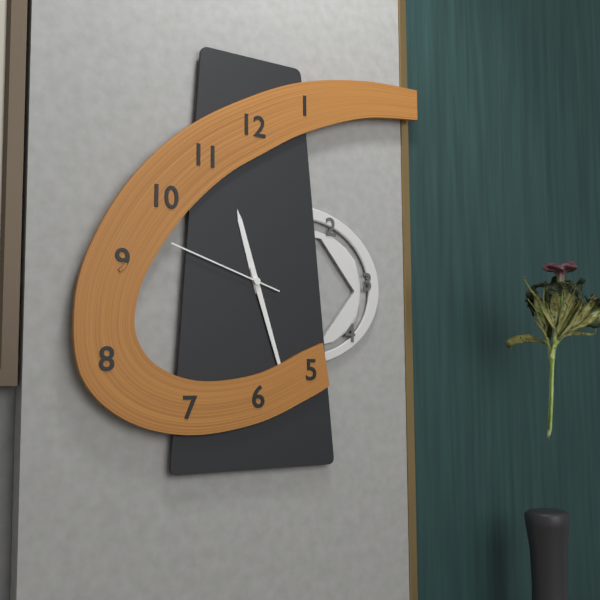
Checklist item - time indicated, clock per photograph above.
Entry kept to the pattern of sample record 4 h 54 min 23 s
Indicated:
11 h 27 min 48 s
